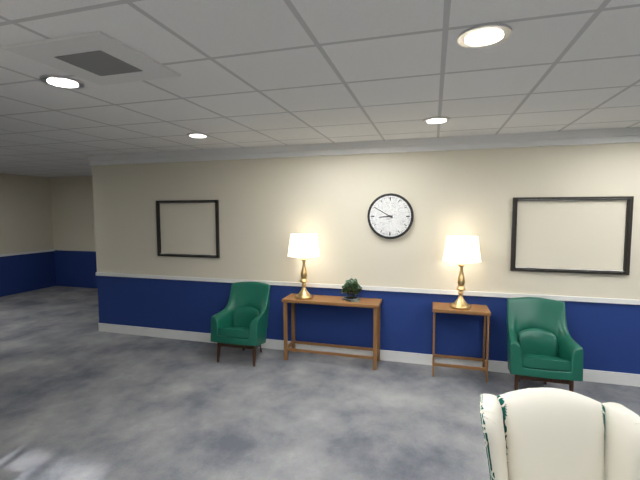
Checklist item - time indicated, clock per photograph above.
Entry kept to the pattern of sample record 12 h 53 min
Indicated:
8 h 50 min
